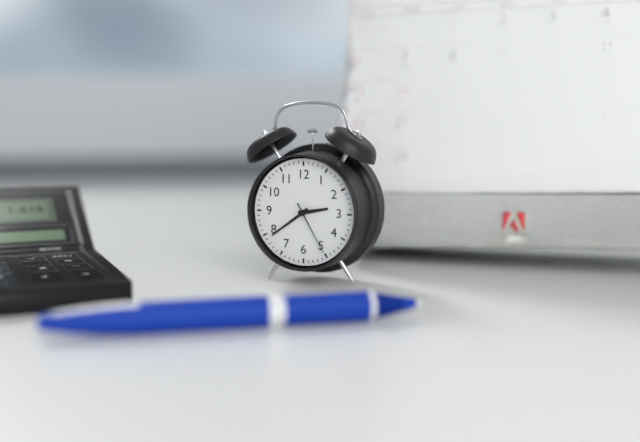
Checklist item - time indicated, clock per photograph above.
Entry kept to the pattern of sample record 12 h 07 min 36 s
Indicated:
2 h 39 min 25 s
